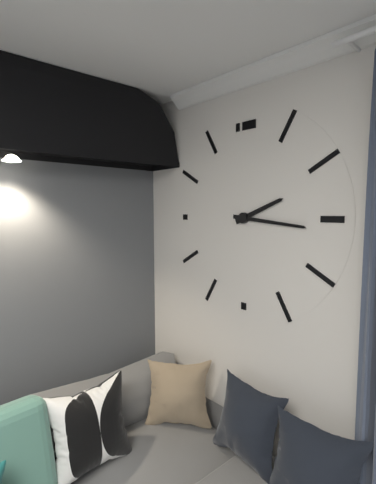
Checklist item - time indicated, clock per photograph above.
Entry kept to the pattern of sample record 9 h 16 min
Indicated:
2 h 16 min
